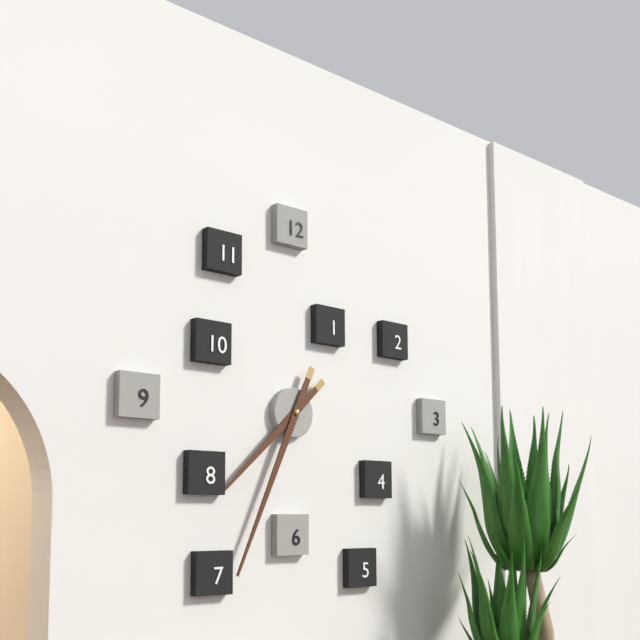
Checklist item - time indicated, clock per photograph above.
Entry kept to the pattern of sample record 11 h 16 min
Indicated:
7 h 34 min
